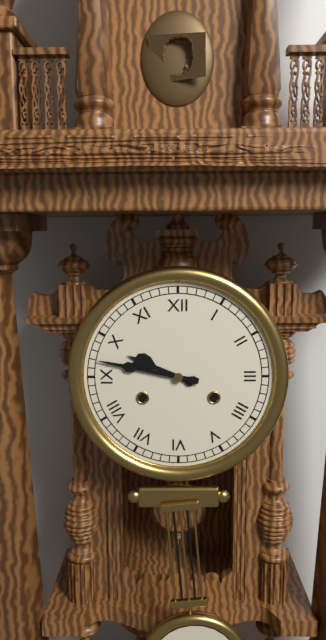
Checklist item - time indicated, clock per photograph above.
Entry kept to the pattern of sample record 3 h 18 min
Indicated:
9 h 47 min
